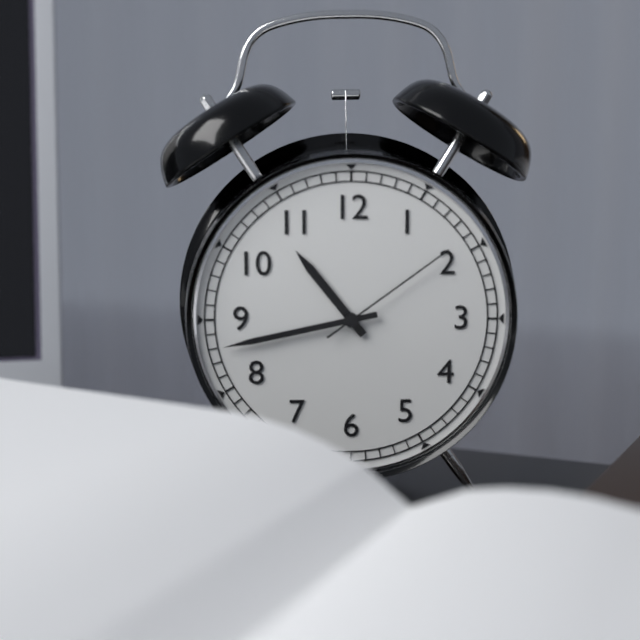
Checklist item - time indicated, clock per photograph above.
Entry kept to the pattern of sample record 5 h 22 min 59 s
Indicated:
10 h 43 min 09 s
